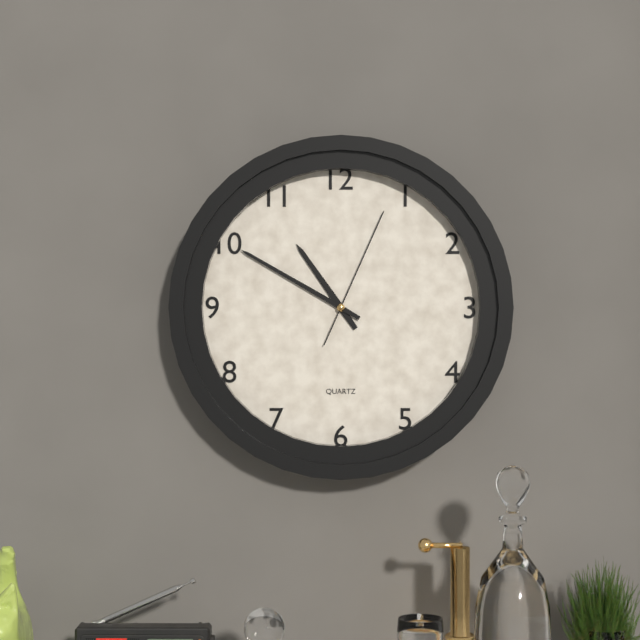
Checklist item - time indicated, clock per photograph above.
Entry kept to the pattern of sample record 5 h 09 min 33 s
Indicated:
10 h 50 min 04 s
